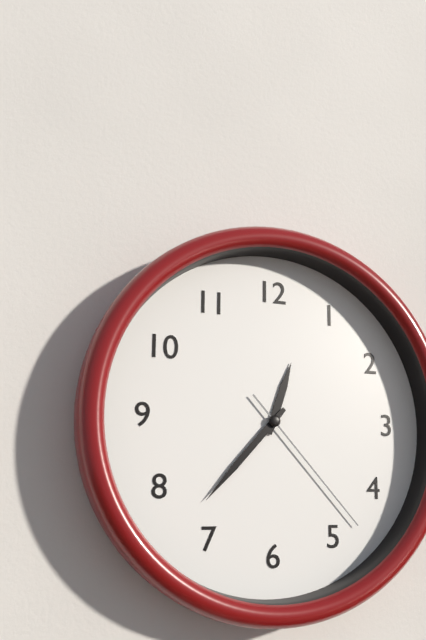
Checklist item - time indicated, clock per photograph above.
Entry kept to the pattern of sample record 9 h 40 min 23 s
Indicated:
12 h 37 min 23 s
